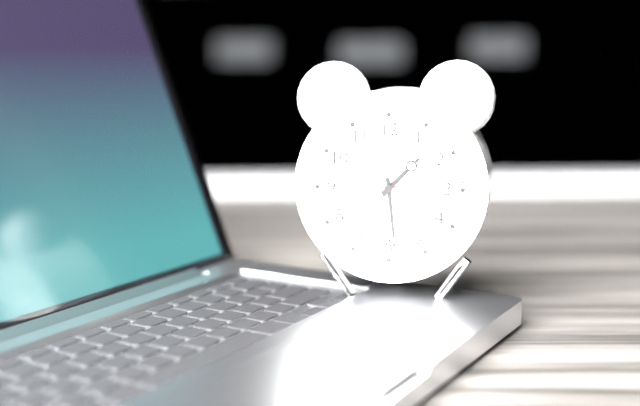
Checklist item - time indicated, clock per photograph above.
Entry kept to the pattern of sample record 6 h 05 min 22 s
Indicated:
1 h 29 min 42 s
